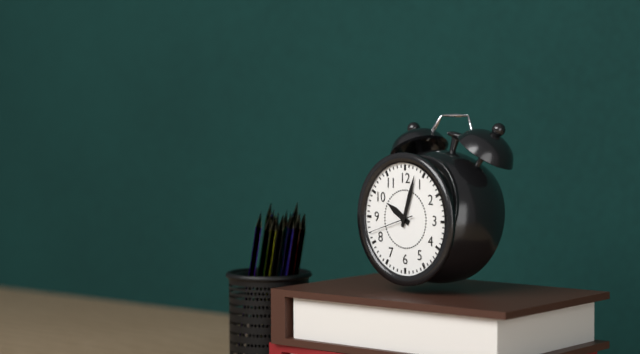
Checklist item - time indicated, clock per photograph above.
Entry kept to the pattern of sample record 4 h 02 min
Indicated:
10 h 03 min
